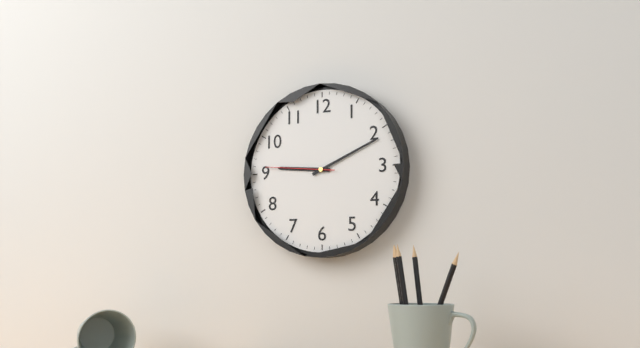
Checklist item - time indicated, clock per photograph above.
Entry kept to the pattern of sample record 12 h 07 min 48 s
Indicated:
9 h 11 min 46 s
